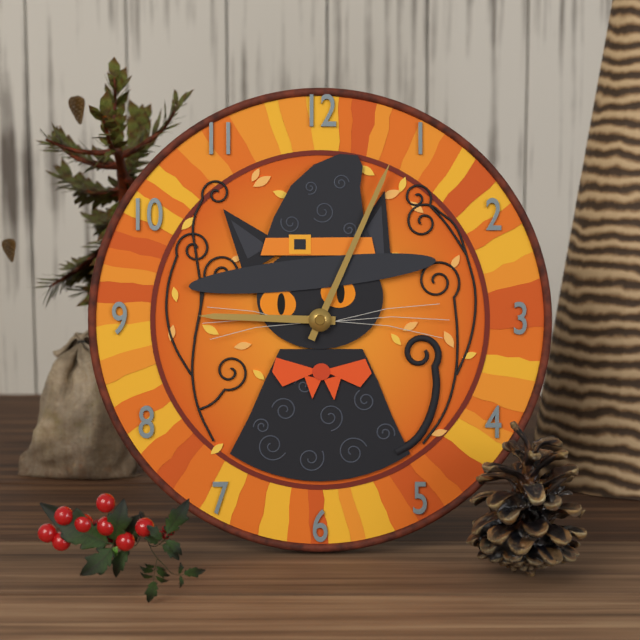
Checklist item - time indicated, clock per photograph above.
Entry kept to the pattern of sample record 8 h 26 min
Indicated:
9 h 04 min
